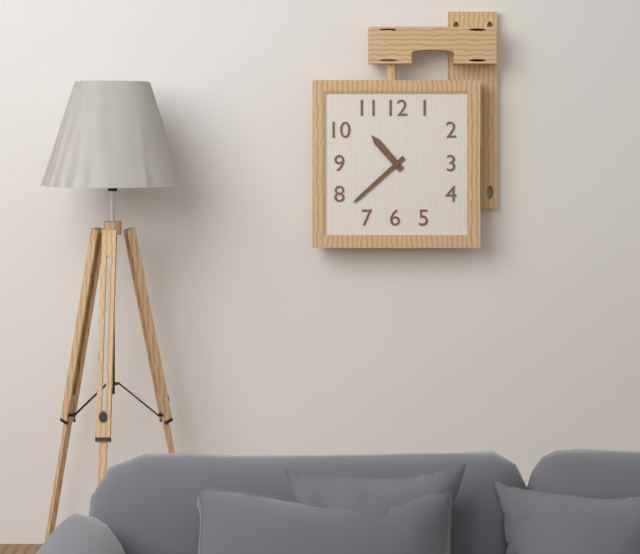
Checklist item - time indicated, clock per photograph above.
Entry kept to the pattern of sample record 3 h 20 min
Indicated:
10 h 38 min
